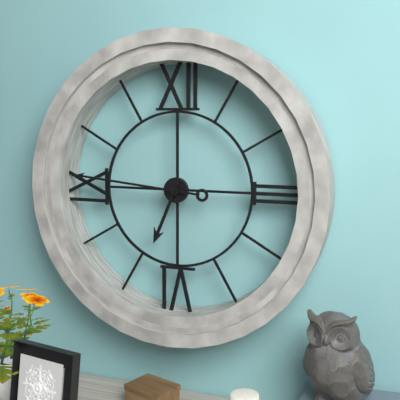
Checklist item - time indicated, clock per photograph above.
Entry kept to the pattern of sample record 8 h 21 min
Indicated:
6 h 46 min
